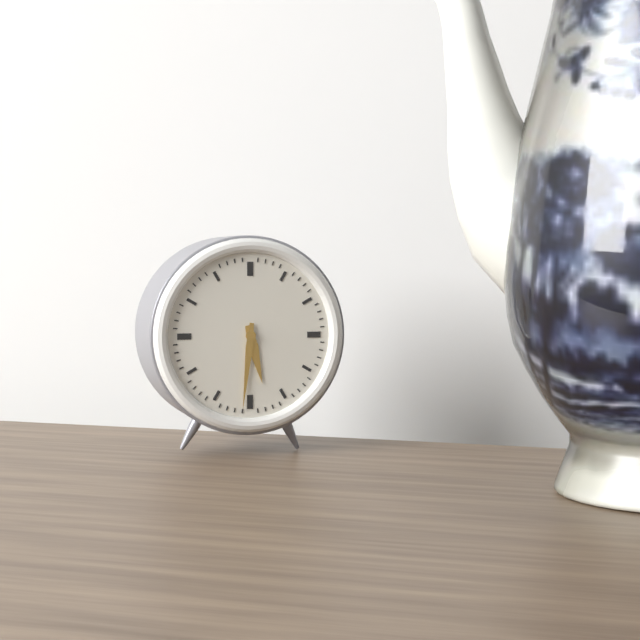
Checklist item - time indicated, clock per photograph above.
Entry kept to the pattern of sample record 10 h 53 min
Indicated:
5 h 31 min
